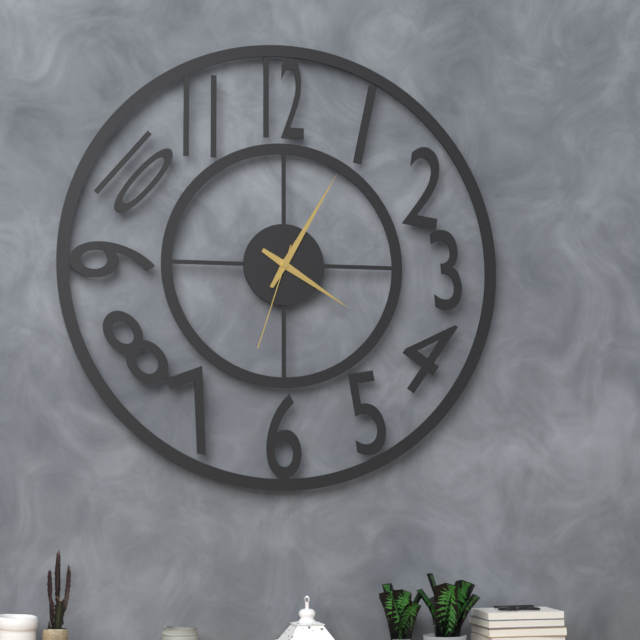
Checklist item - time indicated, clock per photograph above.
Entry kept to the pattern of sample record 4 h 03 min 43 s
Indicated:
4 h 05 min 33 s
